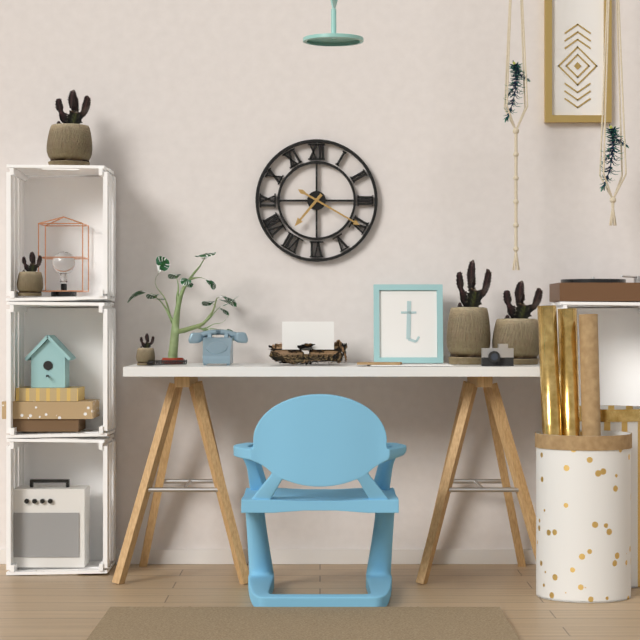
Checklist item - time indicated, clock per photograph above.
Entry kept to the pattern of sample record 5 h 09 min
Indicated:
7 h 20 min
